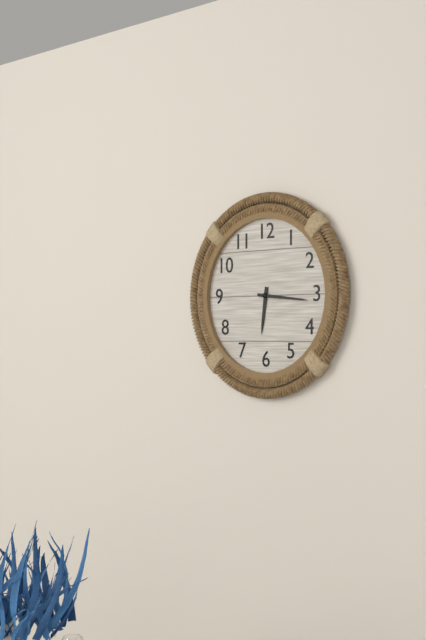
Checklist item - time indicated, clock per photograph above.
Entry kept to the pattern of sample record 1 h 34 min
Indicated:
6 h 16 min
